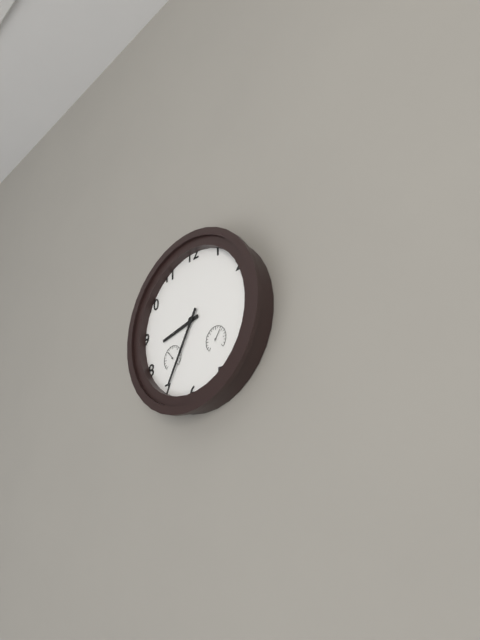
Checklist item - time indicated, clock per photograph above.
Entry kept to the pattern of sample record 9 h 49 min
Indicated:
8 h 35 min
